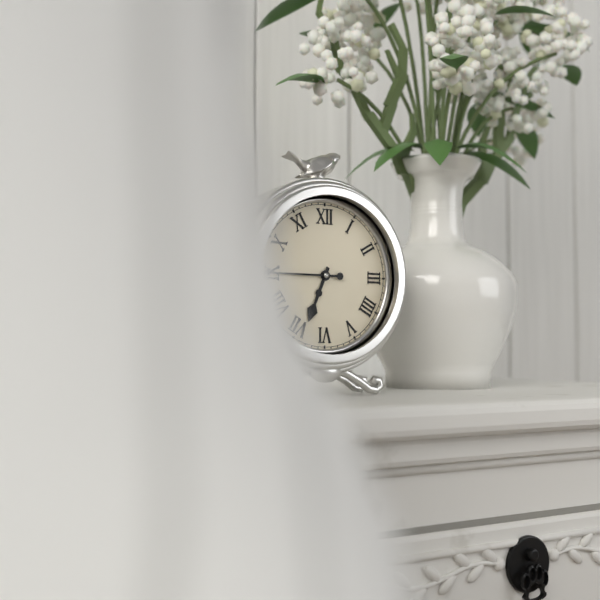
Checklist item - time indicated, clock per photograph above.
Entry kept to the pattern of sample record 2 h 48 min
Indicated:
6 h 45 min
